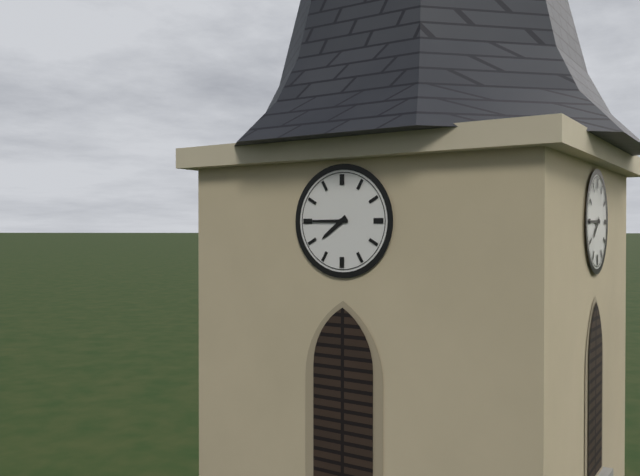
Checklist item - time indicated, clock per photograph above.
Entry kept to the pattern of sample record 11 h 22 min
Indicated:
7 h 45 min
